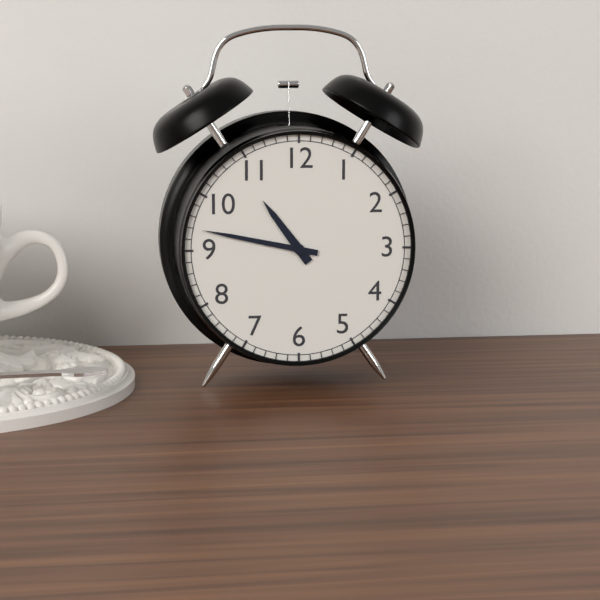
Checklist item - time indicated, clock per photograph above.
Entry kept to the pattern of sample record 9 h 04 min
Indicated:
10 h 47 min
